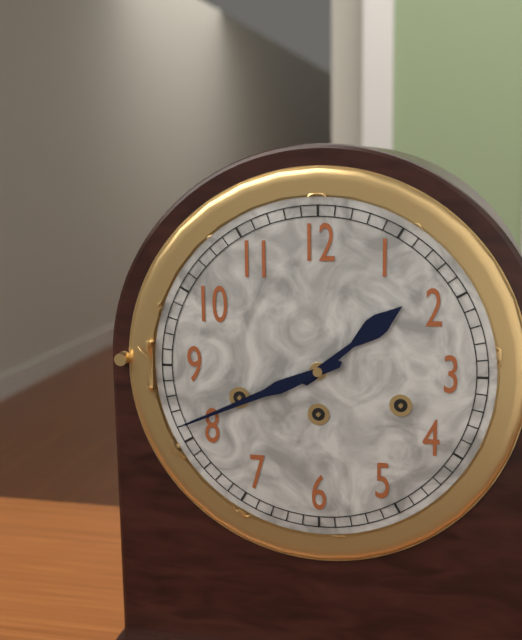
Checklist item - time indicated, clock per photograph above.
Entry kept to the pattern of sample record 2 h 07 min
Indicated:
1 h 41 min
